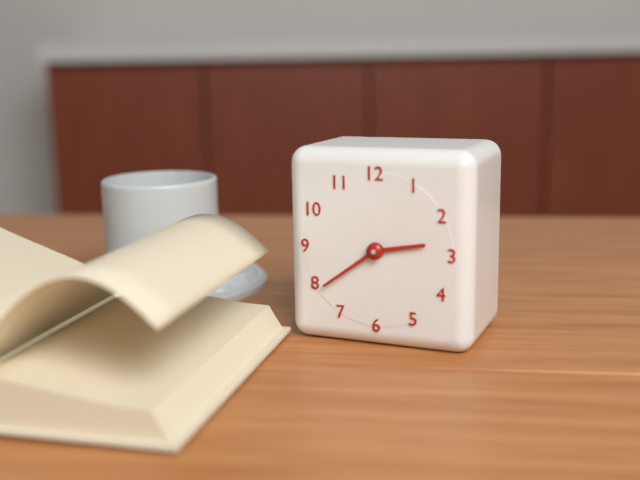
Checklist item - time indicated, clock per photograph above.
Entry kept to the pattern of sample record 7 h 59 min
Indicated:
2 h 39 min
